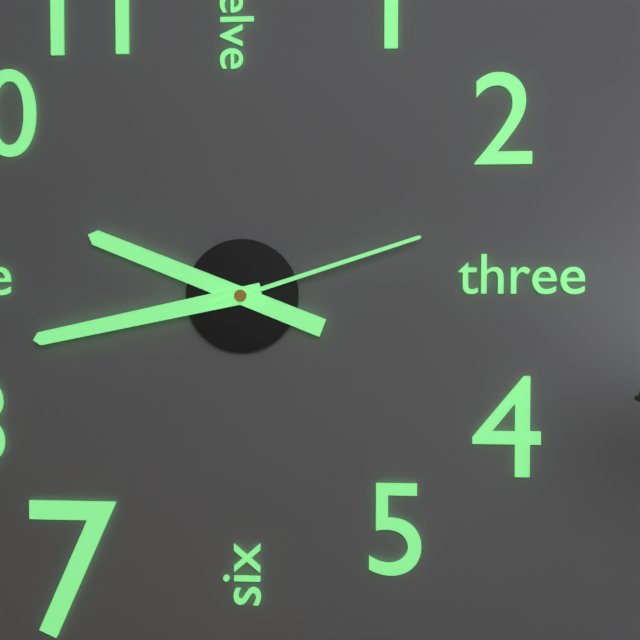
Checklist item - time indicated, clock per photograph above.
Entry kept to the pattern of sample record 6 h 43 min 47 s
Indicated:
9 h 43 min 12 s
